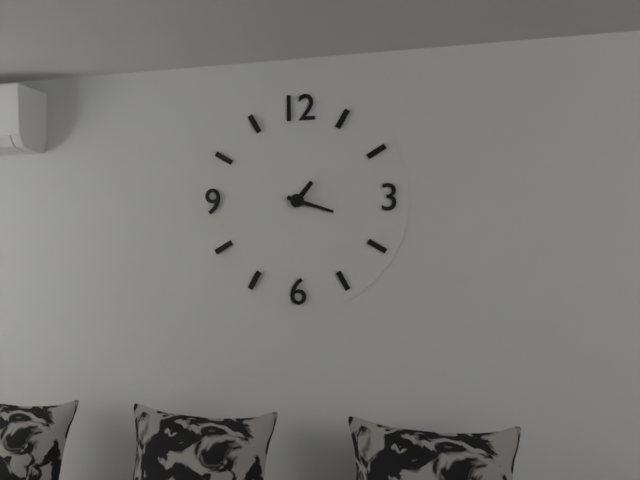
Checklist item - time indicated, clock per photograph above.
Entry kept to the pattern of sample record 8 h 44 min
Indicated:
1 h 18 min
